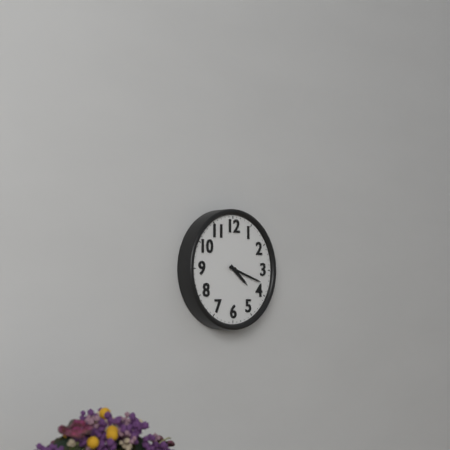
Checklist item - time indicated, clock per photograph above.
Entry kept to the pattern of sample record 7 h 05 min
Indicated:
4 h 18 min
